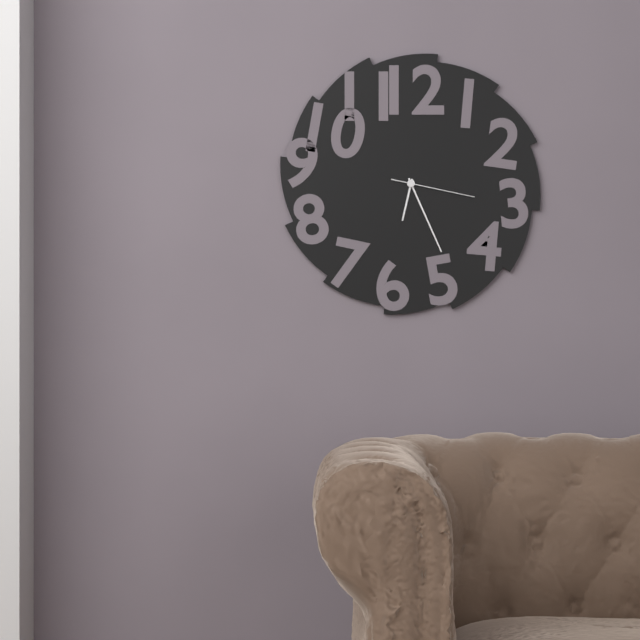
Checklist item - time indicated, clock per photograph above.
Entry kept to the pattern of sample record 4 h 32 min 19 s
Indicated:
6 h 26 min 17 s
